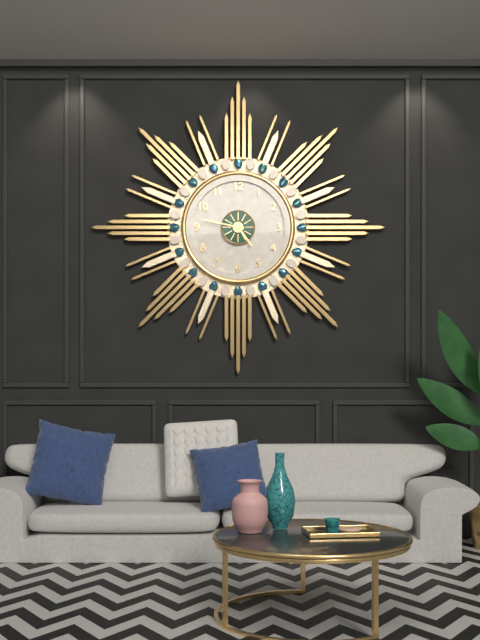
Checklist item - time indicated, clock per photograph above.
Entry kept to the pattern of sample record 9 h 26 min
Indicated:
4 h 47 min
